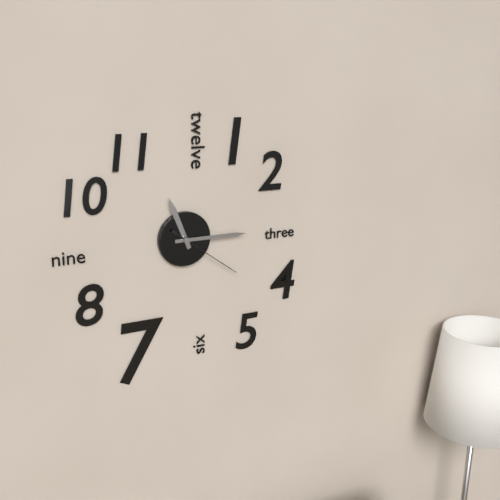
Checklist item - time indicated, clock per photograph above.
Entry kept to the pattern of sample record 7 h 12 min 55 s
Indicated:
11 h 15 min 21 s
